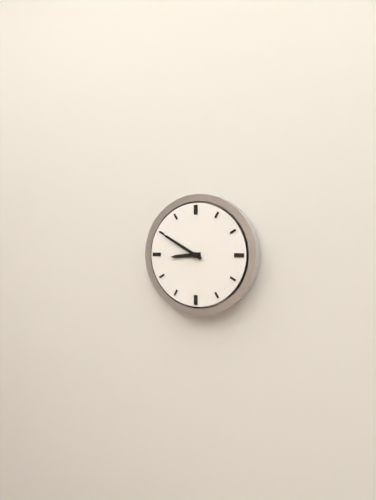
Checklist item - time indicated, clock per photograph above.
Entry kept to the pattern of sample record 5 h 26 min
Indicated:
8 h 50 min
